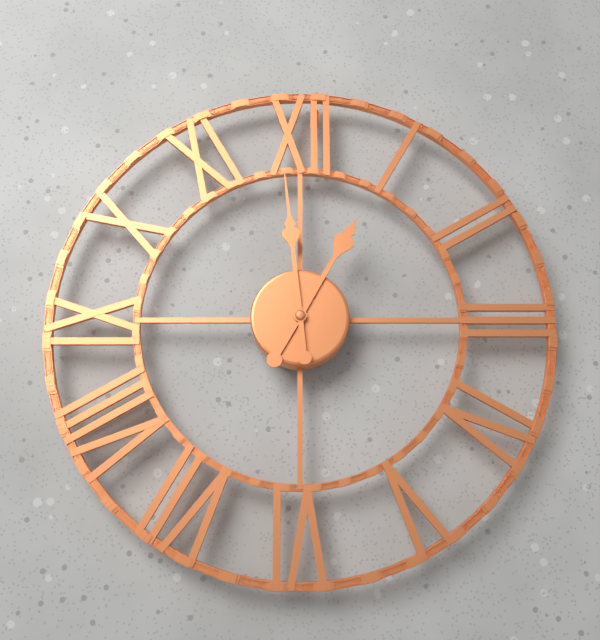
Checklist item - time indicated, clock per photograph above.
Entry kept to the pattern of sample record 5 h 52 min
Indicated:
12 h 59 min
